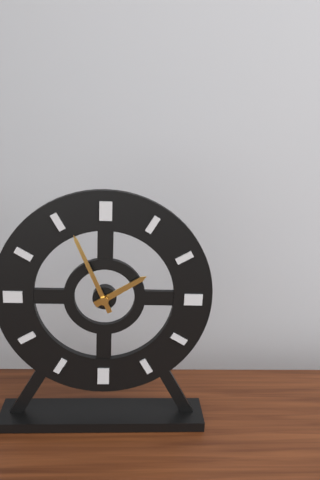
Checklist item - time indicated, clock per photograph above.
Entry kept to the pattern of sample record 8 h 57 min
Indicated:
1 h 56 min
